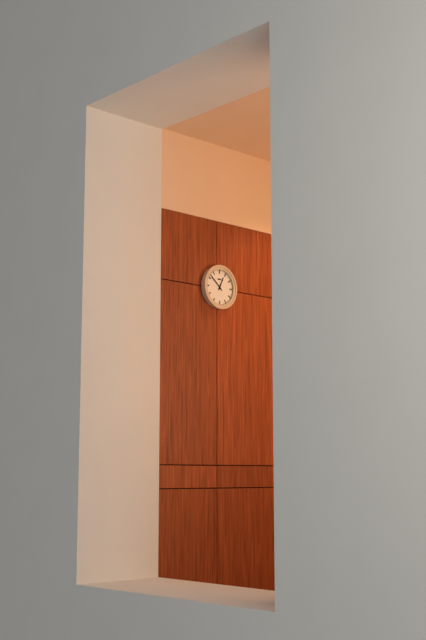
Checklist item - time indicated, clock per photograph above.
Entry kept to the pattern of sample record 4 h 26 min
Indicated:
12 h 52 min
